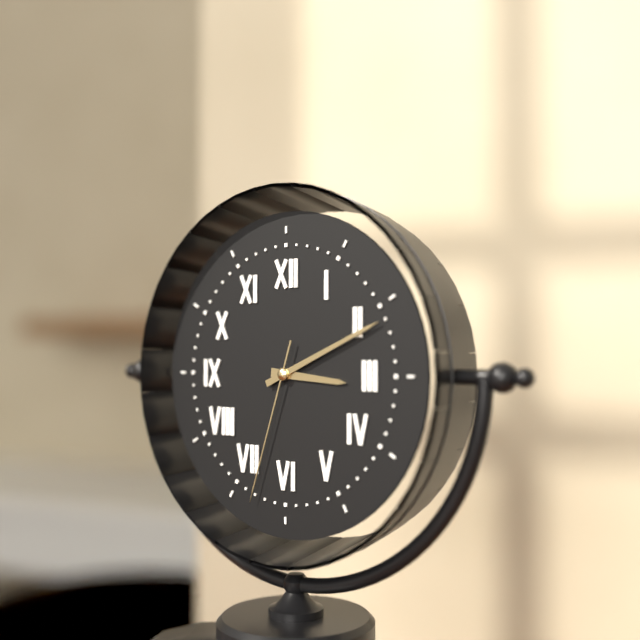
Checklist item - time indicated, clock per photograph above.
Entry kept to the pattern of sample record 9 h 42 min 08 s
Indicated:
3 h 11 min 33 s
